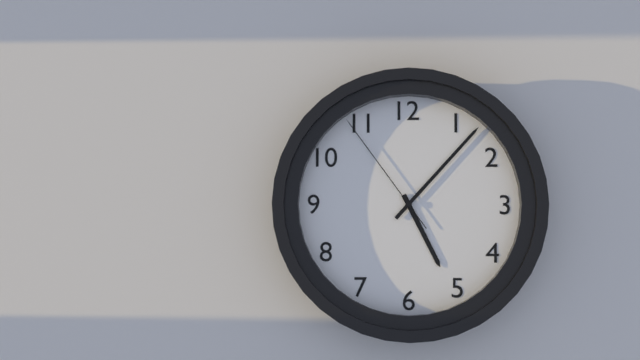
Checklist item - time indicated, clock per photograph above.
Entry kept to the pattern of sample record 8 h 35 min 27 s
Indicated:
5 h 07 min 54 s
